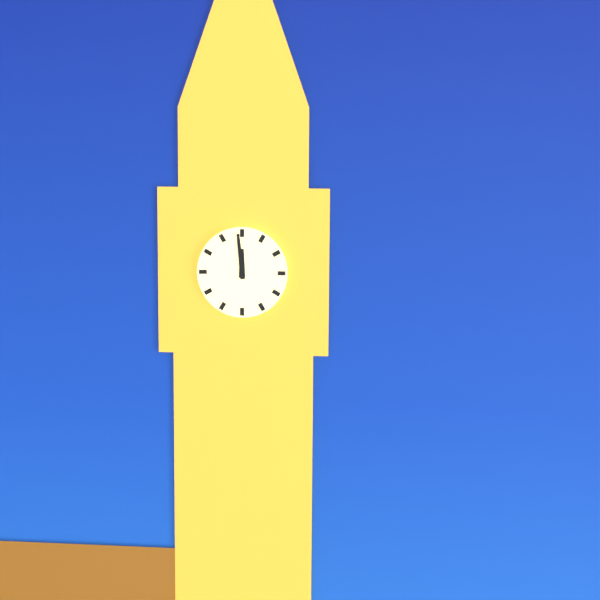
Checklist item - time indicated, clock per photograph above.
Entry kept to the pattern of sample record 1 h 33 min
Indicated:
11 h 59 min
